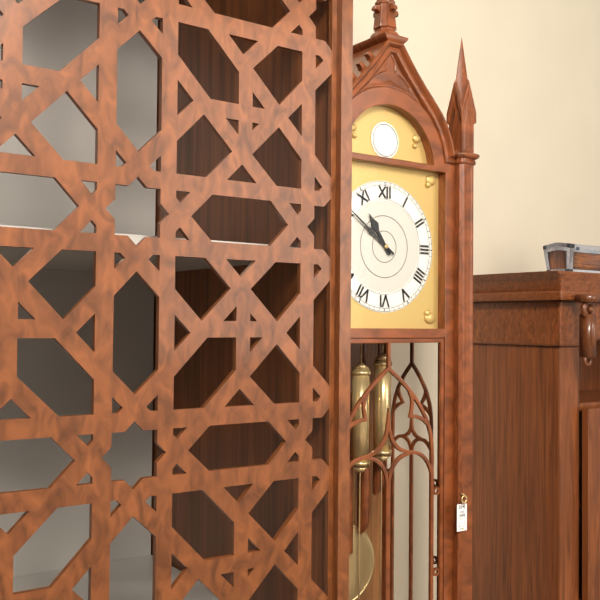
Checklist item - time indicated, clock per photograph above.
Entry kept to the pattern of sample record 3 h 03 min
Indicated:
10 h 51 min
